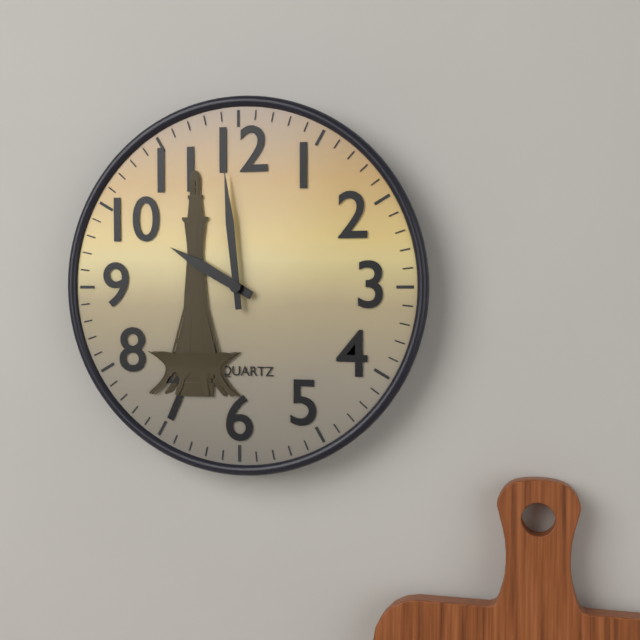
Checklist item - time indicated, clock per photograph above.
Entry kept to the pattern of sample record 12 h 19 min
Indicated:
9 h 59 min
